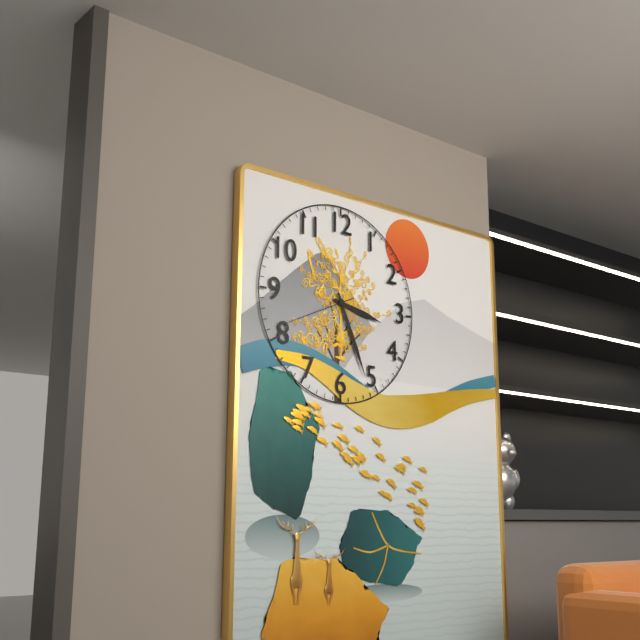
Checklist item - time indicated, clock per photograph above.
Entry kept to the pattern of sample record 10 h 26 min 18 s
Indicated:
3 h 26 min 41 s
